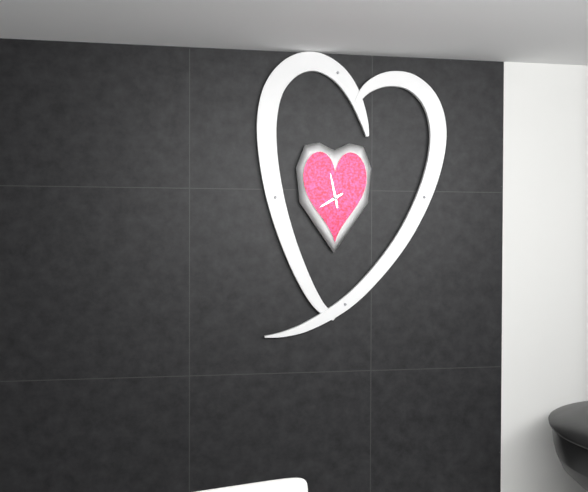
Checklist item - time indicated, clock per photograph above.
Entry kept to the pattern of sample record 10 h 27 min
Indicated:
7 h 58 min
